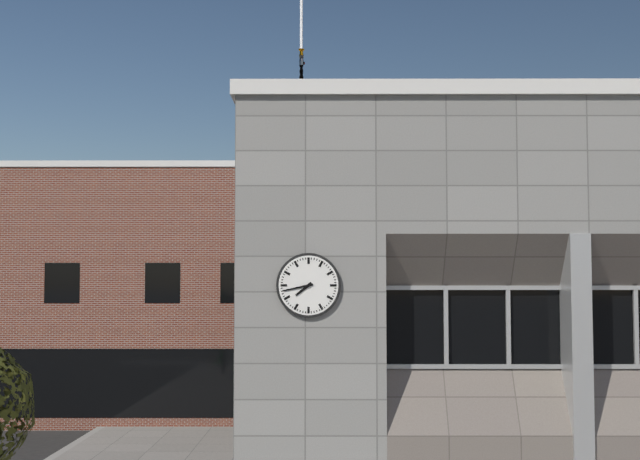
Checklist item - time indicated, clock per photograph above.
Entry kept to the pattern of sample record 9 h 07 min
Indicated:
7 h 43 min
